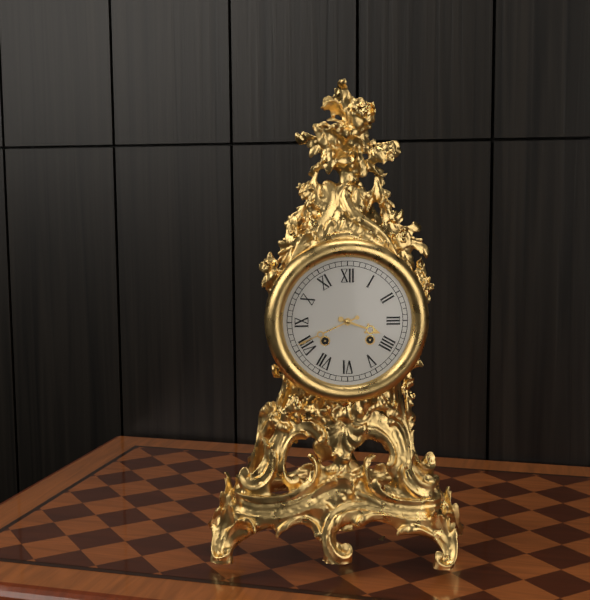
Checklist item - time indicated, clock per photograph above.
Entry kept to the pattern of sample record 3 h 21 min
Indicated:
3 h 41 min
